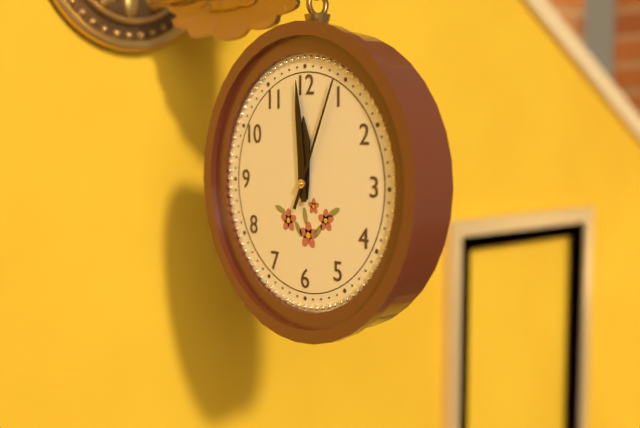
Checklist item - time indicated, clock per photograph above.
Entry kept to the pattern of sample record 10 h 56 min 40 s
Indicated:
11 h 59 min 04 s
